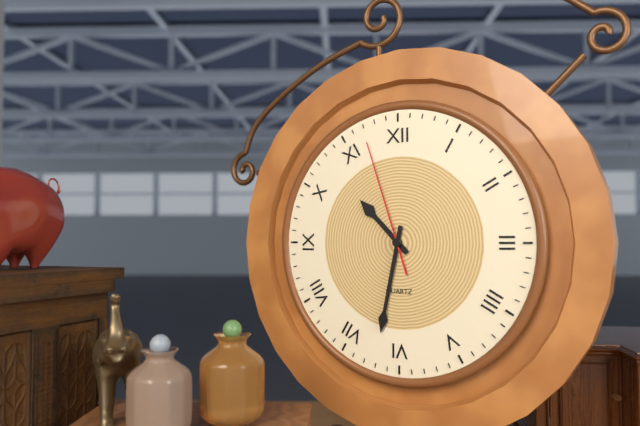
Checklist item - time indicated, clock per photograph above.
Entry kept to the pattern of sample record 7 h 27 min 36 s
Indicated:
10 h 32 min 57 s
